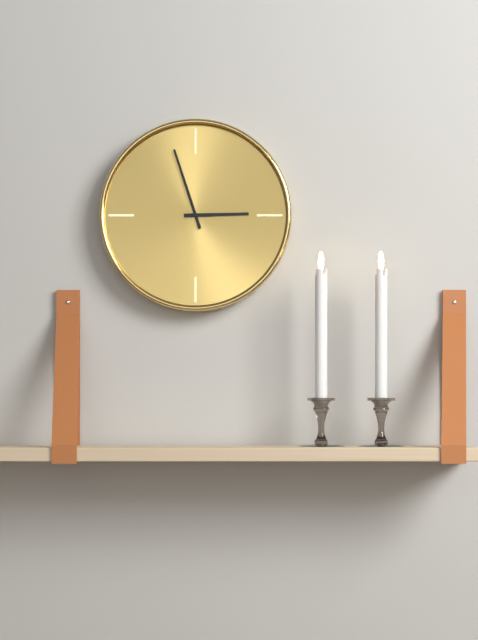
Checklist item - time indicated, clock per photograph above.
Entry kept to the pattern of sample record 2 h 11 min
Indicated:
2 h 57 min
